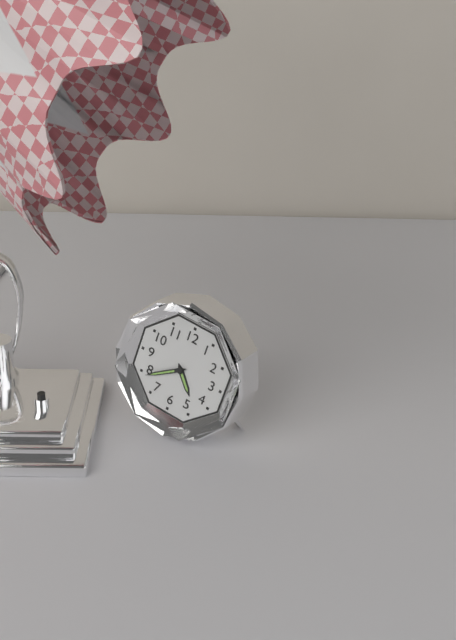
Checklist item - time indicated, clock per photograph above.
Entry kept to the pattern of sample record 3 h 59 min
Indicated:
4 h 39 min
